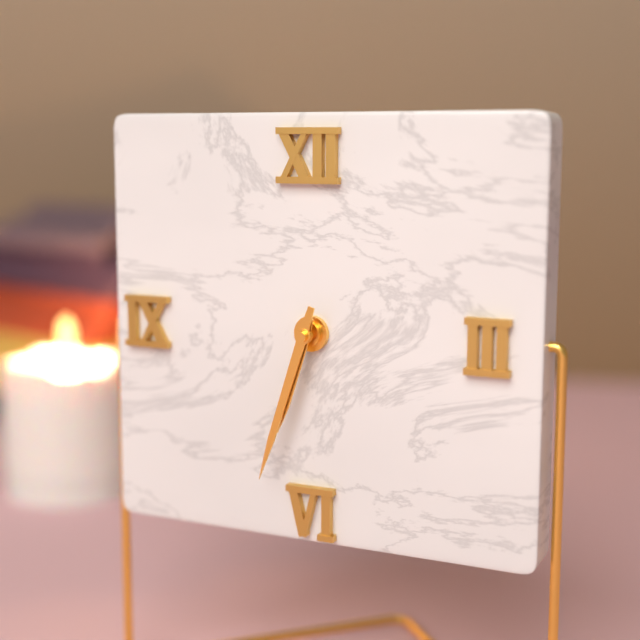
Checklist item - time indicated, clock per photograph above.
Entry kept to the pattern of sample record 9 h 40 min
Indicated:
6 h 33 min
